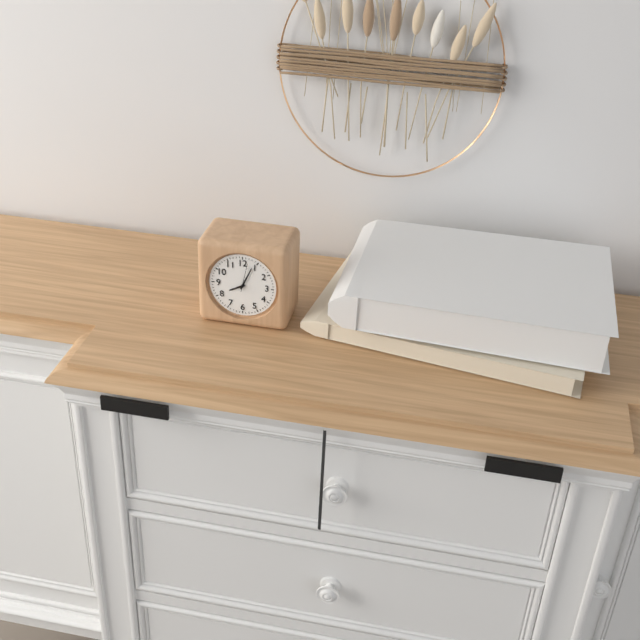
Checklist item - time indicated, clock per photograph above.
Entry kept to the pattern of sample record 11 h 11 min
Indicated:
8 h 04 min
